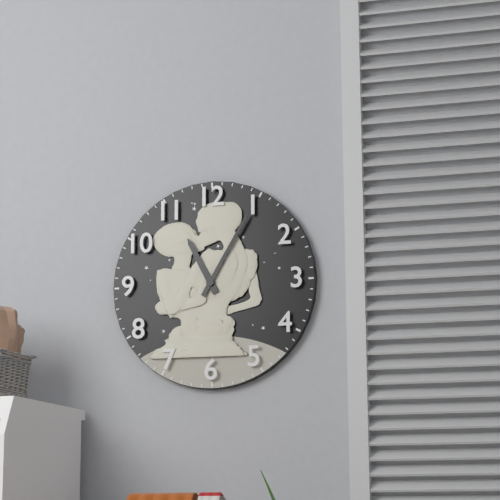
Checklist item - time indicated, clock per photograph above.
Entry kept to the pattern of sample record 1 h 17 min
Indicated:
11 h 05 min
